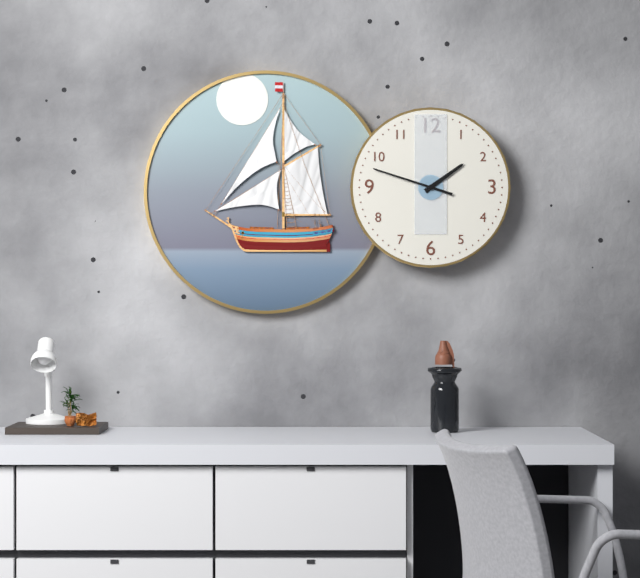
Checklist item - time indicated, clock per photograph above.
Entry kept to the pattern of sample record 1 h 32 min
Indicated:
1 h 48 min
